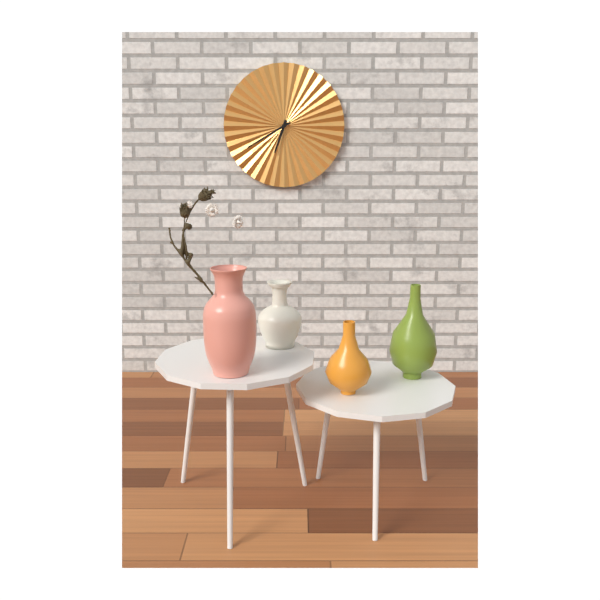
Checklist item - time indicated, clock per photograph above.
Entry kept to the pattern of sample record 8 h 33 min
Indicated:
6 h 40 min
